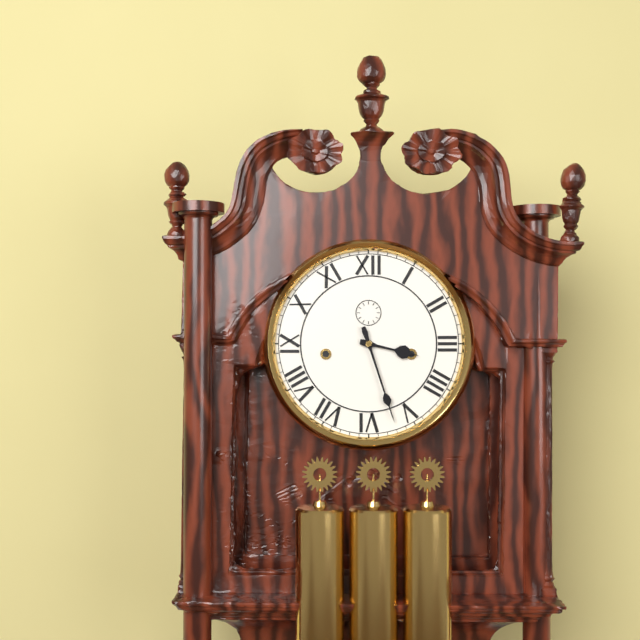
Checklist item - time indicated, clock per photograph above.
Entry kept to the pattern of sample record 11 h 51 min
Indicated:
3 h 27 min
